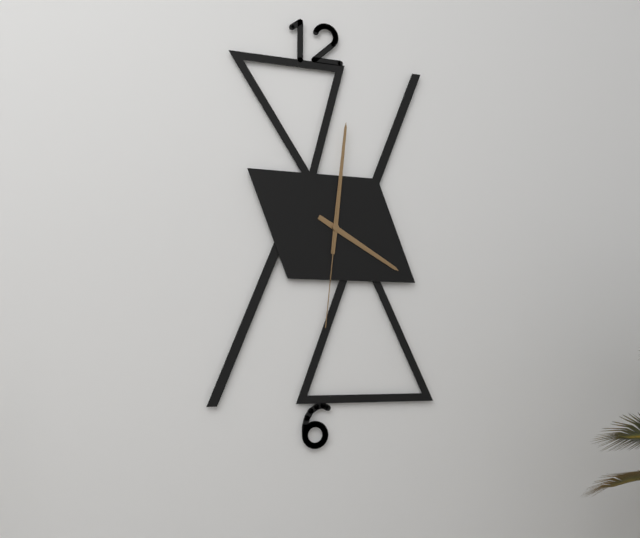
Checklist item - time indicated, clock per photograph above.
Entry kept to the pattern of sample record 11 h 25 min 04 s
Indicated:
4 h 01 min 31 s
